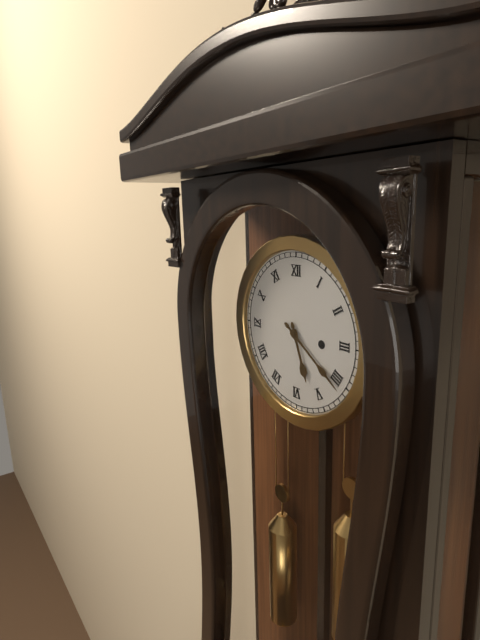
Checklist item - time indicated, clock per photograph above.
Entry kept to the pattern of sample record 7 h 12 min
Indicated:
5 h 21 min
